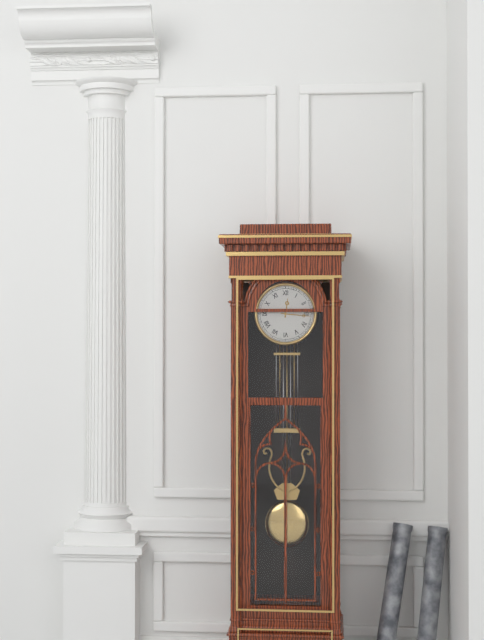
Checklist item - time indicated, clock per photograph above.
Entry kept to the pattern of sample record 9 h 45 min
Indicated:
12 h 16 min
